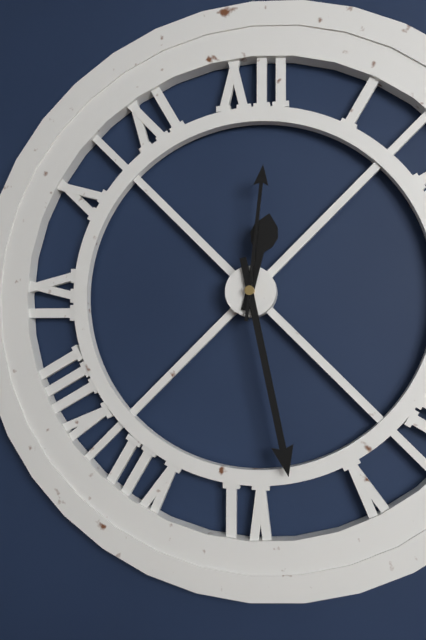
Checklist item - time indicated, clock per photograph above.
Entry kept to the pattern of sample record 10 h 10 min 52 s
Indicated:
12 h 28 min 01 s
